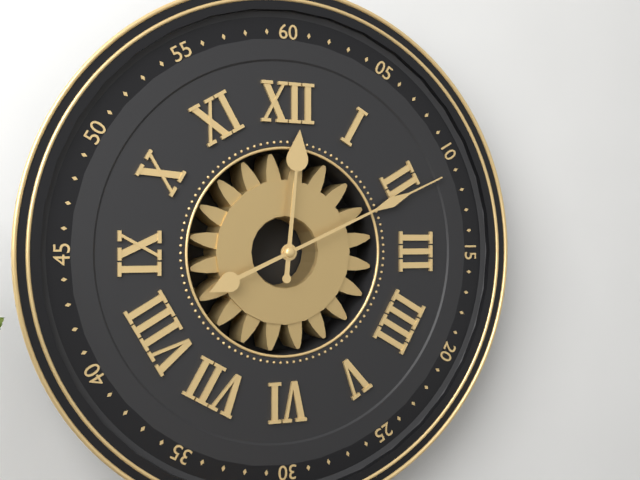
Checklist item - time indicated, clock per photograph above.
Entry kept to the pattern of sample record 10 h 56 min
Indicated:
12 h 11 min
